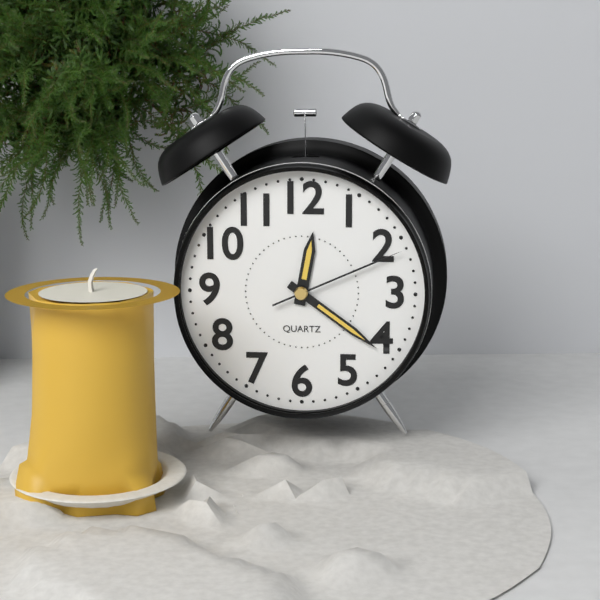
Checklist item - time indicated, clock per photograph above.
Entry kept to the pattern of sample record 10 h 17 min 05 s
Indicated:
12 h 21 min 11 s
